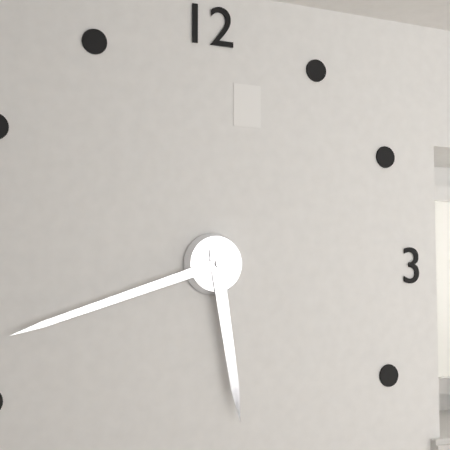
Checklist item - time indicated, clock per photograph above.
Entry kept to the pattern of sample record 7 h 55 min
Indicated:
5 h 42 min
